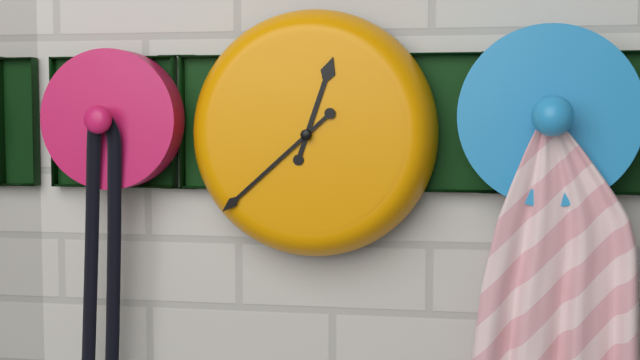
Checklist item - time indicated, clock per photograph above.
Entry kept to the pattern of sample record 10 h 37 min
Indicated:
12 h 38 min
